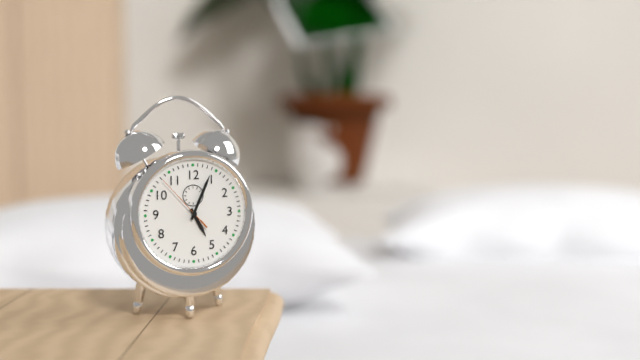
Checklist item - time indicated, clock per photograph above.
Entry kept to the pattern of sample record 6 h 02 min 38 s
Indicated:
5 h 04 min 53 s
